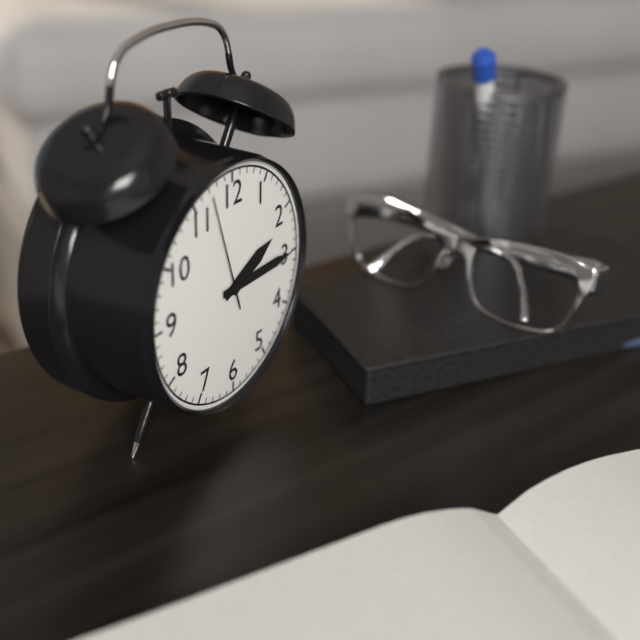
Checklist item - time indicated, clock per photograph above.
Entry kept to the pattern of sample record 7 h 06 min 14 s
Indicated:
2 h 15 min 57 s
